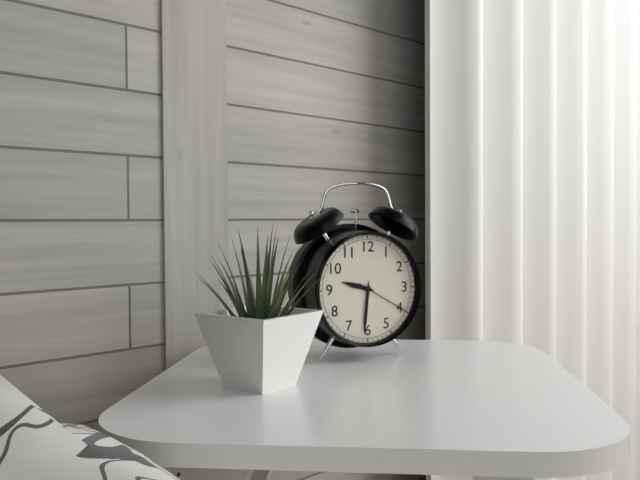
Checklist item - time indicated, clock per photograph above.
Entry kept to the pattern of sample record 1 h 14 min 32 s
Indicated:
9 h 31 min 20 s
